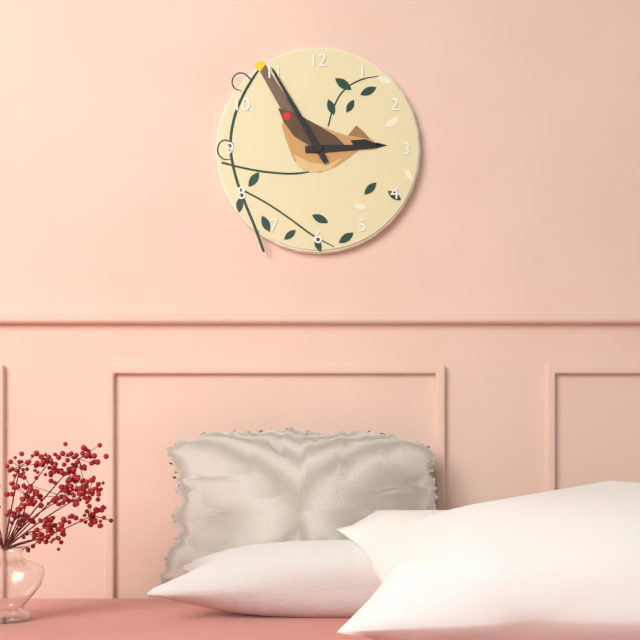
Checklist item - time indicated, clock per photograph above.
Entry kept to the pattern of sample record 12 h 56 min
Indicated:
2 h 55 min
